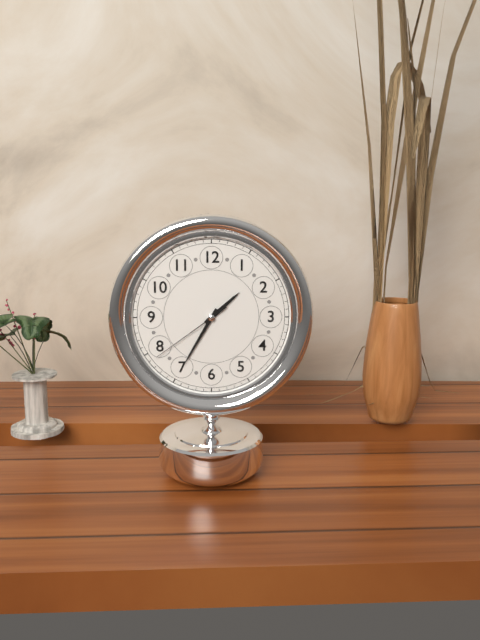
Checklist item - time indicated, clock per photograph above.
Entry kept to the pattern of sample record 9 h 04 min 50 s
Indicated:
1 h 35 min 39 s
